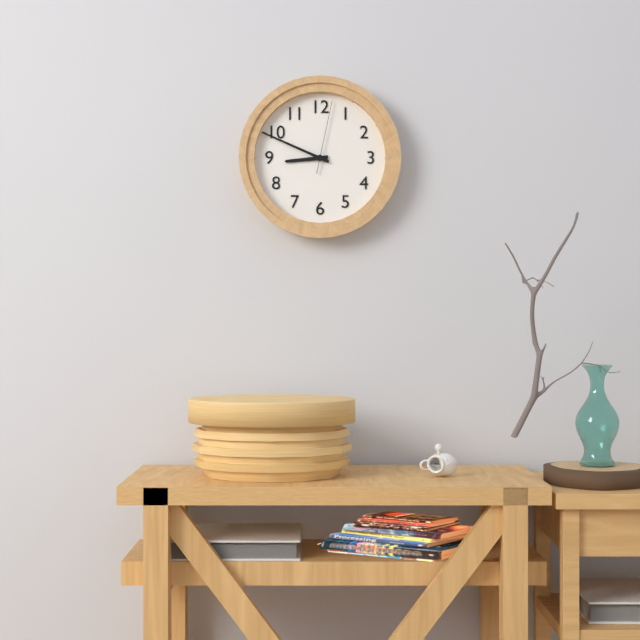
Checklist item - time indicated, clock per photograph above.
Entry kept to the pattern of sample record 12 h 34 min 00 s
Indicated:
8 h 49 min 02 s
